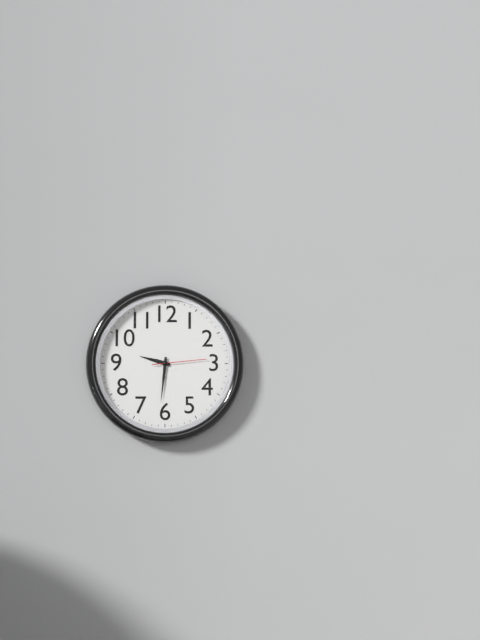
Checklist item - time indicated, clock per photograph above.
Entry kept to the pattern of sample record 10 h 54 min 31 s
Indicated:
9 h 31 min 14 s
